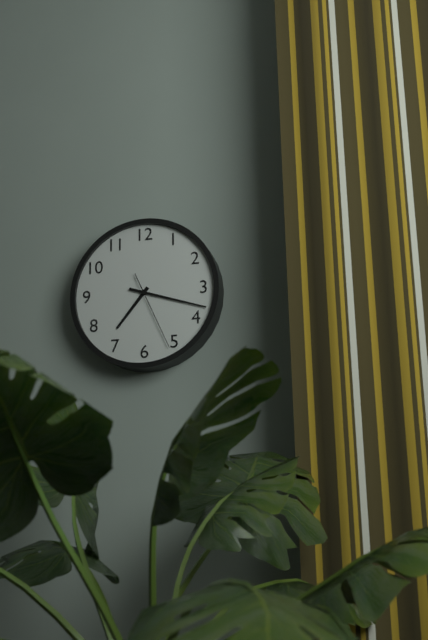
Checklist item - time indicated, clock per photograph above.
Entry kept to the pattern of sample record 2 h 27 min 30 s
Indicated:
7 h 18 min 26 s
